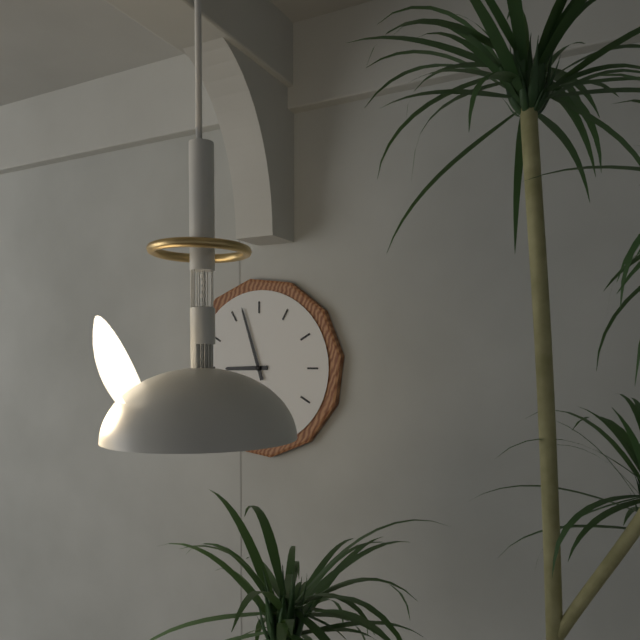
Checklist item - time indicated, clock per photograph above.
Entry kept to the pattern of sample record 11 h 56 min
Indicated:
8 h 57 min
